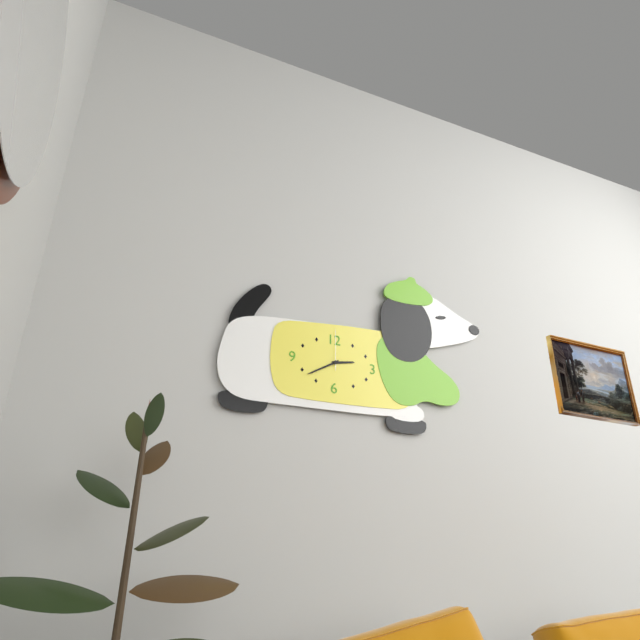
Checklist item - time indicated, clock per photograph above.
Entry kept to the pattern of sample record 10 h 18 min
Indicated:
2 h 40 min
